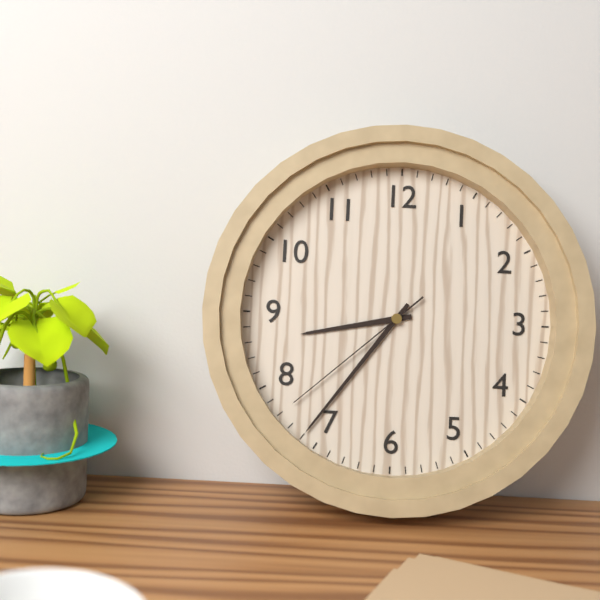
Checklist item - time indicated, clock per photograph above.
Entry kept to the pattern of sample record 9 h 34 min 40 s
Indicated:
8 h 36 min 38 s
